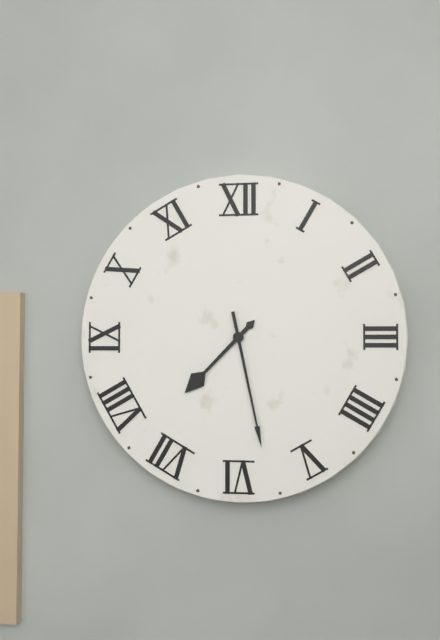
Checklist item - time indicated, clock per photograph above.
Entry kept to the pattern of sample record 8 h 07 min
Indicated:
7 h 28 min
